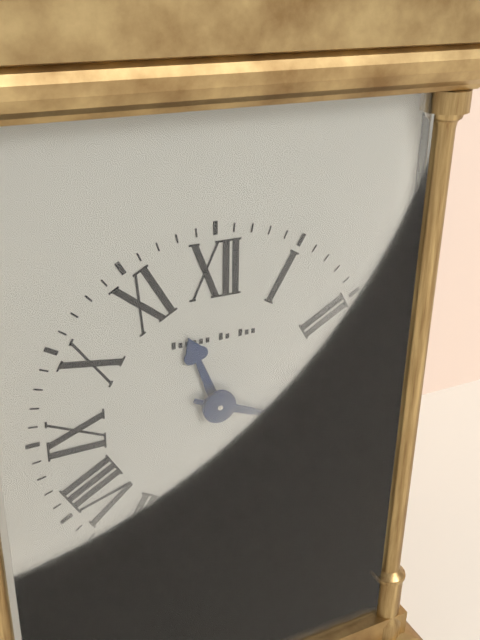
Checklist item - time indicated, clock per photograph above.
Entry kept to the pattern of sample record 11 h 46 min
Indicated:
11 h 19 min
